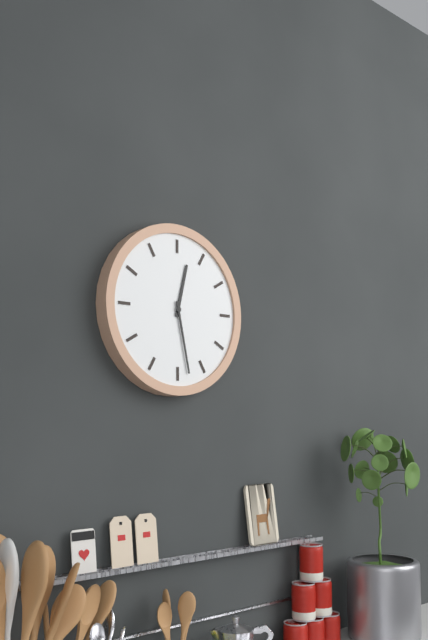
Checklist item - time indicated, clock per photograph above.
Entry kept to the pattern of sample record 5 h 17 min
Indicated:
12 h 28 min
